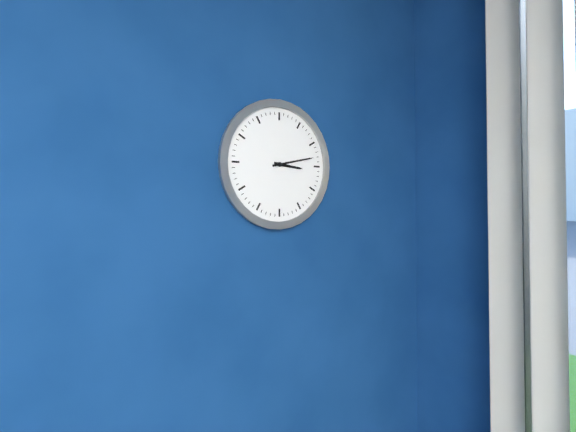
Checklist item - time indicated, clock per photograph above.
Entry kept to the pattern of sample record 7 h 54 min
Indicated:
3 h 13 min
